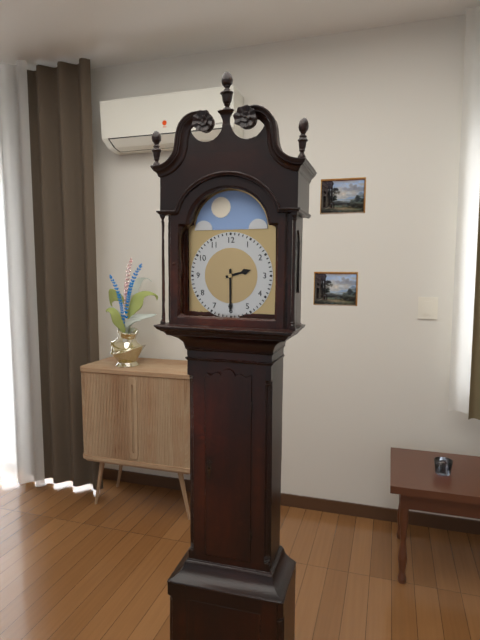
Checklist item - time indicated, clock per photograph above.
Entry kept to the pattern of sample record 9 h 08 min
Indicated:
2 h 30 min
